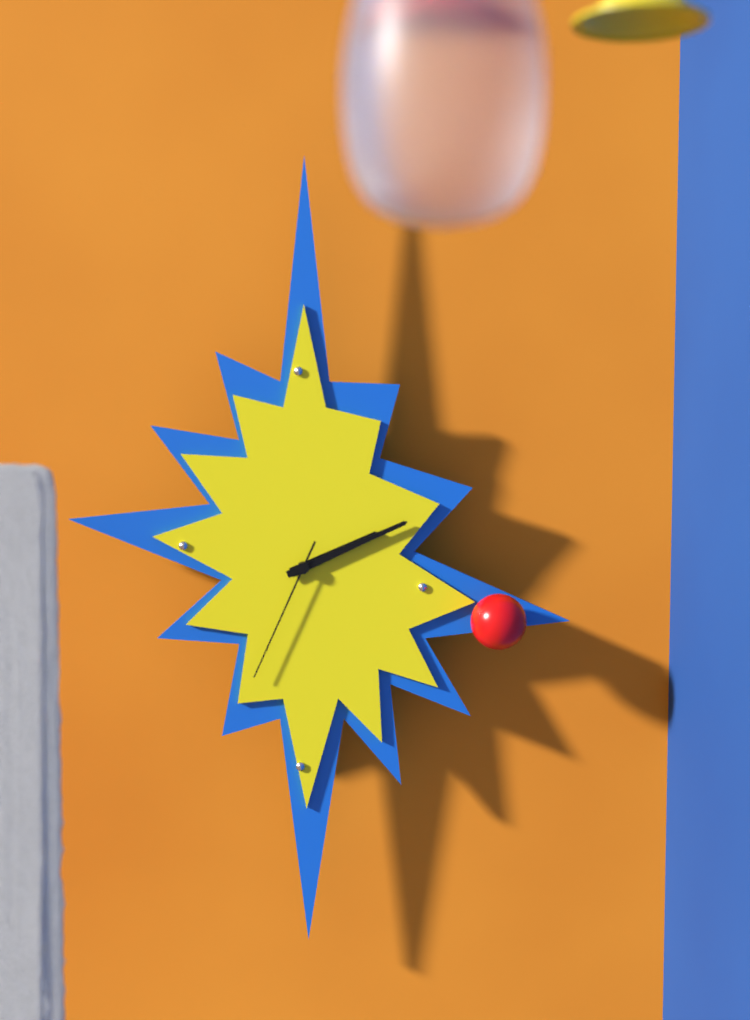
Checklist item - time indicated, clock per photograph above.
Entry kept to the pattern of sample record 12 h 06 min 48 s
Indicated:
2 h 11 min 34 s
